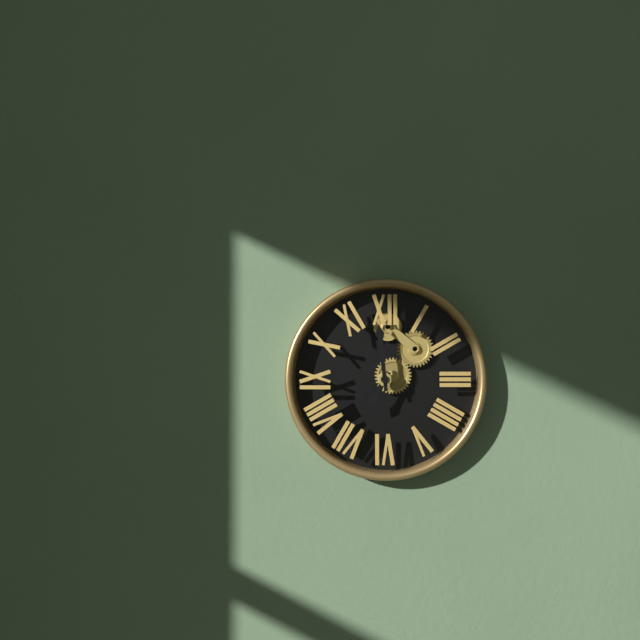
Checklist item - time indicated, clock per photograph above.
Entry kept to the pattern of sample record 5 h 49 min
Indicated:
6 h 59 min
